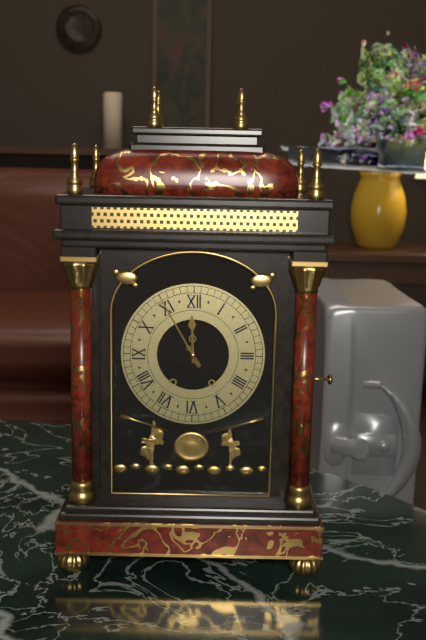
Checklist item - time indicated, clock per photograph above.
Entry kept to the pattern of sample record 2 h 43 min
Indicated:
11 h 55 min
